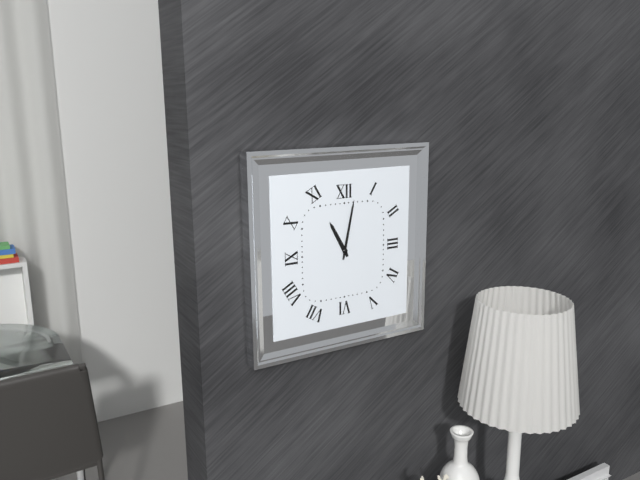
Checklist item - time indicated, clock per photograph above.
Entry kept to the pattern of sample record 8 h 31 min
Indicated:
11 h 02 min
